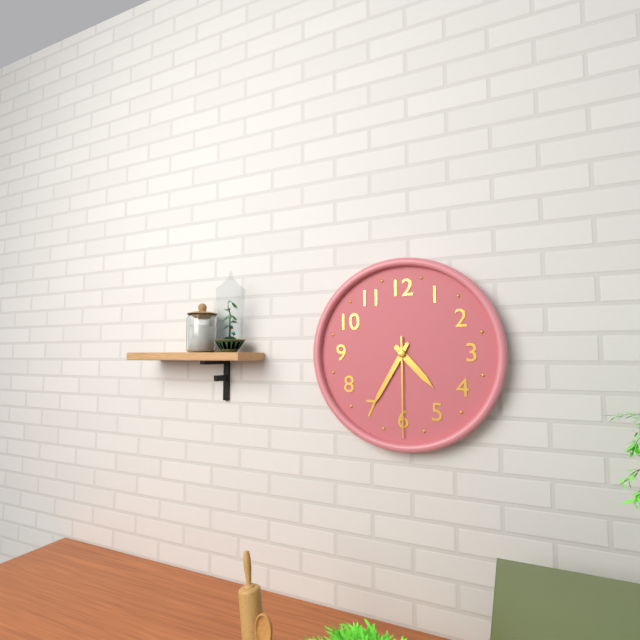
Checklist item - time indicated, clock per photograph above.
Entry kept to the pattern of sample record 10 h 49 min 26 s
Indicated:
4 h 35 min 30 s
